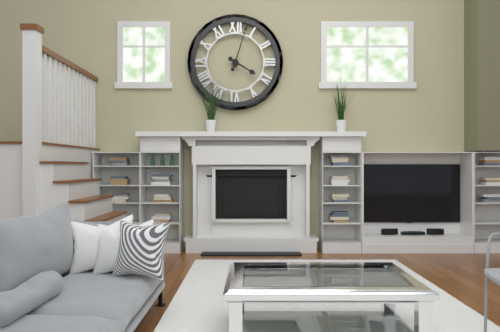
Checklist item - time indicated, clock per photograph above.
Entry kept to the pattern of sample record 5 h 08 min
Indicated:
4 h 03 min
